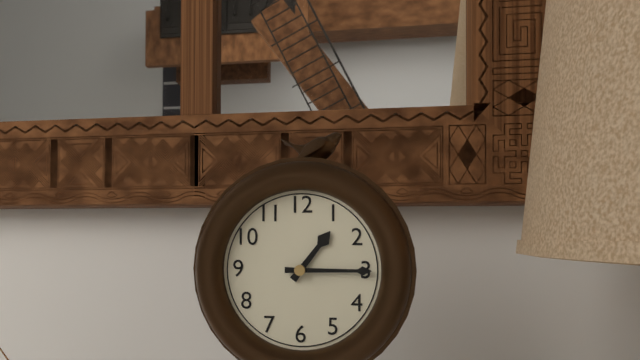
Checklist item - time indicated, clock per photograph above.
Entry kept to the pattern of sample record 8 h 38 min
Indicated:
1 h 15 min
